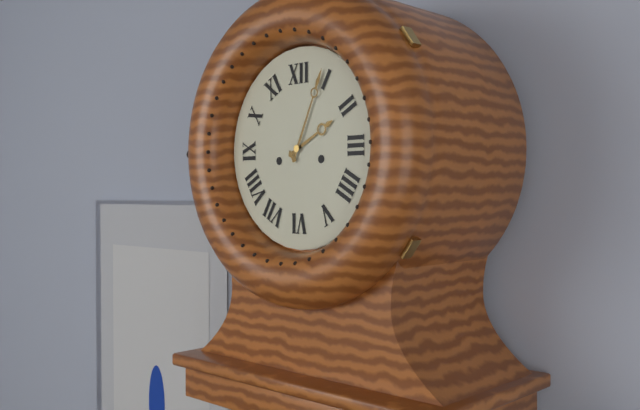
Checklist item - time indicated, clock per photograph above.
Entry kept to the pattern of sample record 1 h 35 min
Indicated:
2 h 04 min
